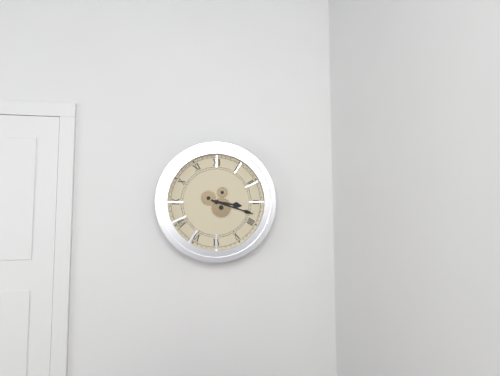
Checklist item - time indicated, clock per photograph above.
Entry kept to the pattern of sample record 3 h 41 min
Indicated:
3 h 18 min
